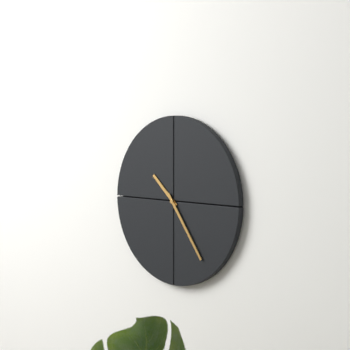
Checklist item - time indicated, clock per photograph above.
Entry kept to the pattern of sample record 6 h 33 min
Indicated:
10 h 24 min
